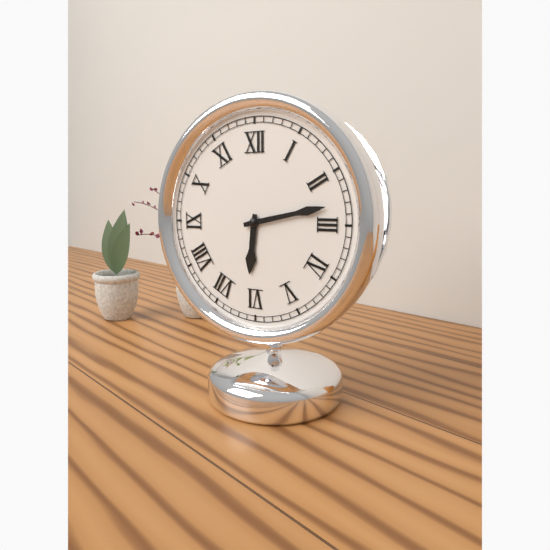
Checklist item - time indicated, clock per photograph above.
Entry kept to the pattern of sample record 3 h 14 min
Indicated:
6 h 13 min
